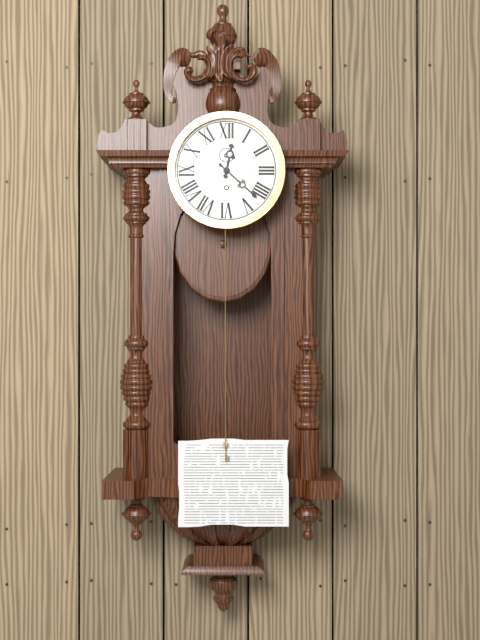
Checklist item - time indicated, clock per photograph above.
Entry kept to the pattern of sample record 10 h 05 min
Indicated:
12 h 22 min
